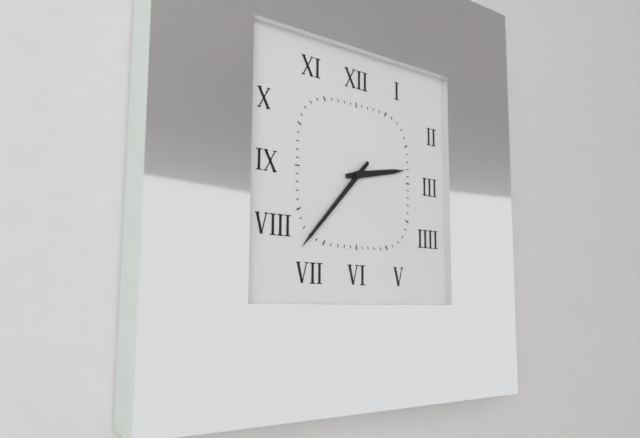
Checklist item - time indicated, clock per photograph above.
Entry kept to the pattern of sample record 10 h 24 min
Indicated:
2 h 37 min
